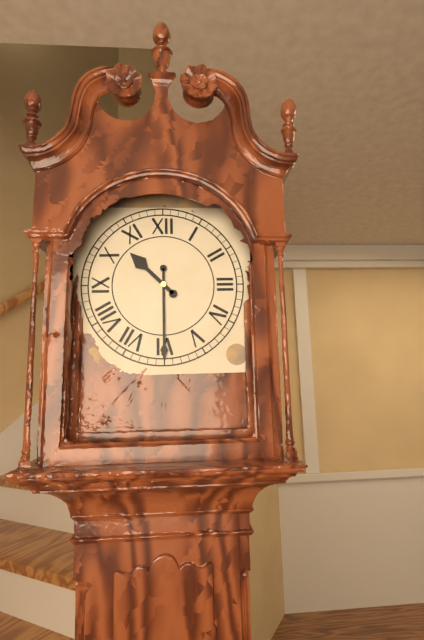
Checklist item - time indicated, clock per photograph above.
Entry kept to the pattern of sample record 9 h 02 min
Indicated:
10 h 30 min
